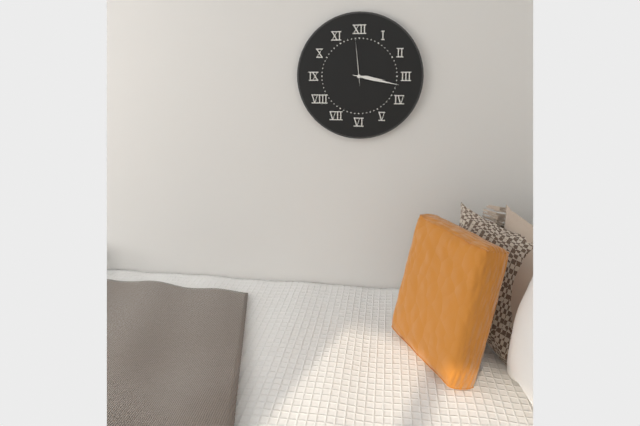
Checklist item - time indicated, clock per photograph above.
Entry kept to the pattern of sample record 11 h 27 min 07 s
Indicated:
3 h 17 min 59 s
